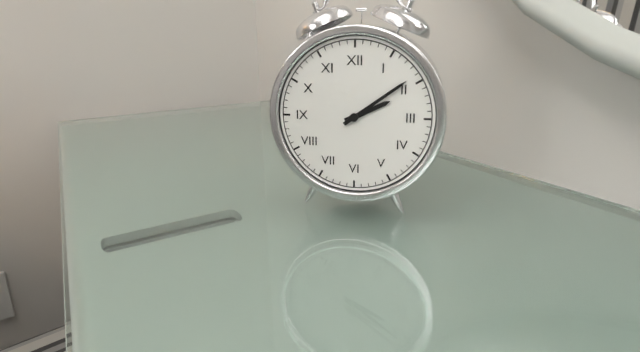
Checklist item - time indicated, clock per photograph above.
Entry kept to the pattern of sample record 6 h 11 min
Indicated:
2 h 09 min
